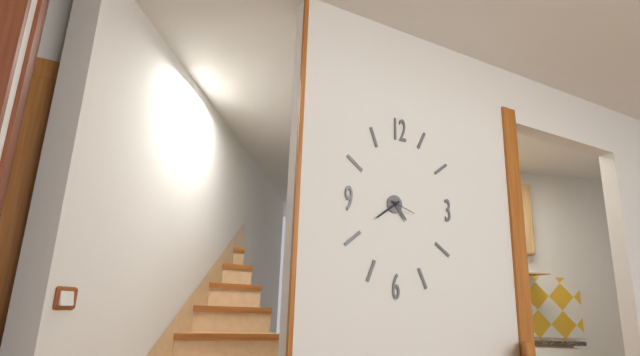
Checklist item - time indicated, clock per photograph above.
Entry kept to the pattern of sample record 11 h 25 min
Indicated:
4 h 39 min
